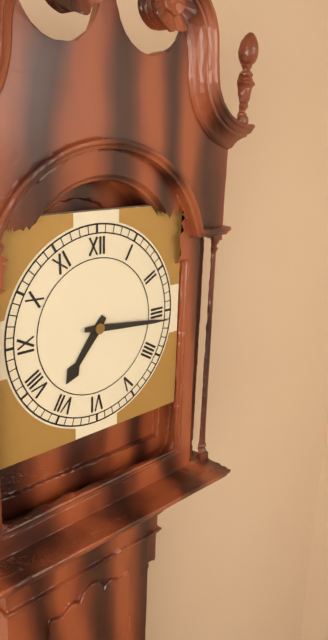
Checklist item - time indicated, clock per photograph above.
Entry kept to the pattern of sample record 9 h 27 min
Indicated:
7 h 16 min
